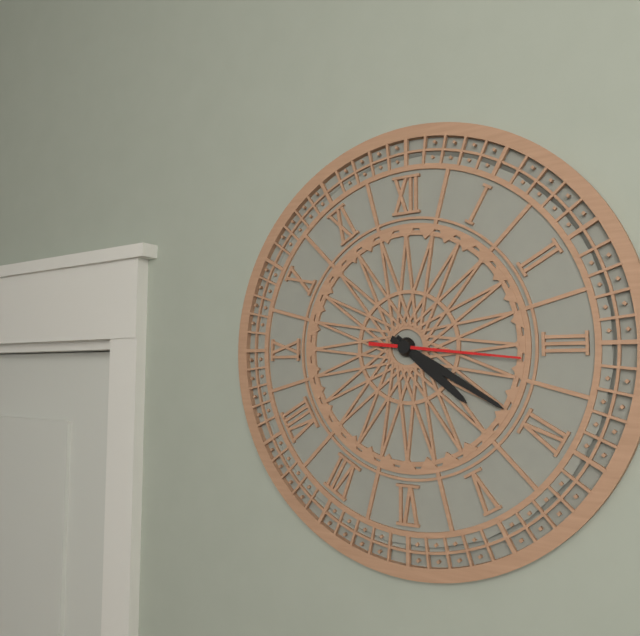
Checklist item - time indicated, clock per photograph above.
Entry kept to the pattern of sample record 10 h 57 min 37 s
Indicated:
4 h 20 min 16 s
